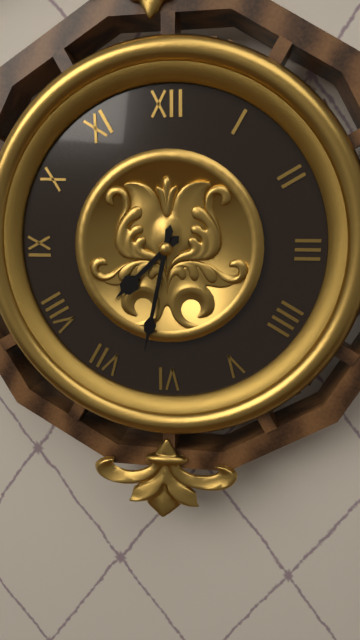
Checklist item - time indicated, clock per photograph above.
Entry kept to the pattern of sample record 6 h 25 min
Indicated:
7 h 32 min
